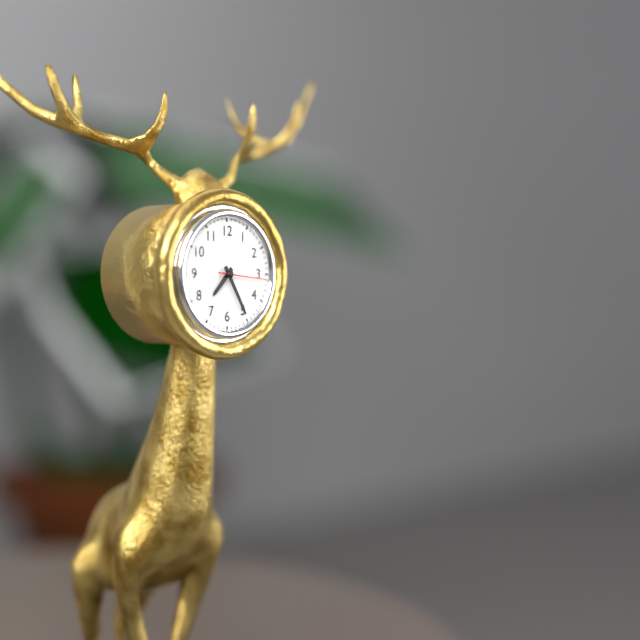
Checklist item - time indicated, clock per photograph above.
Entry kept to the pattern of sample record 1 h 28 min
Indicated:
7 h 25 min
